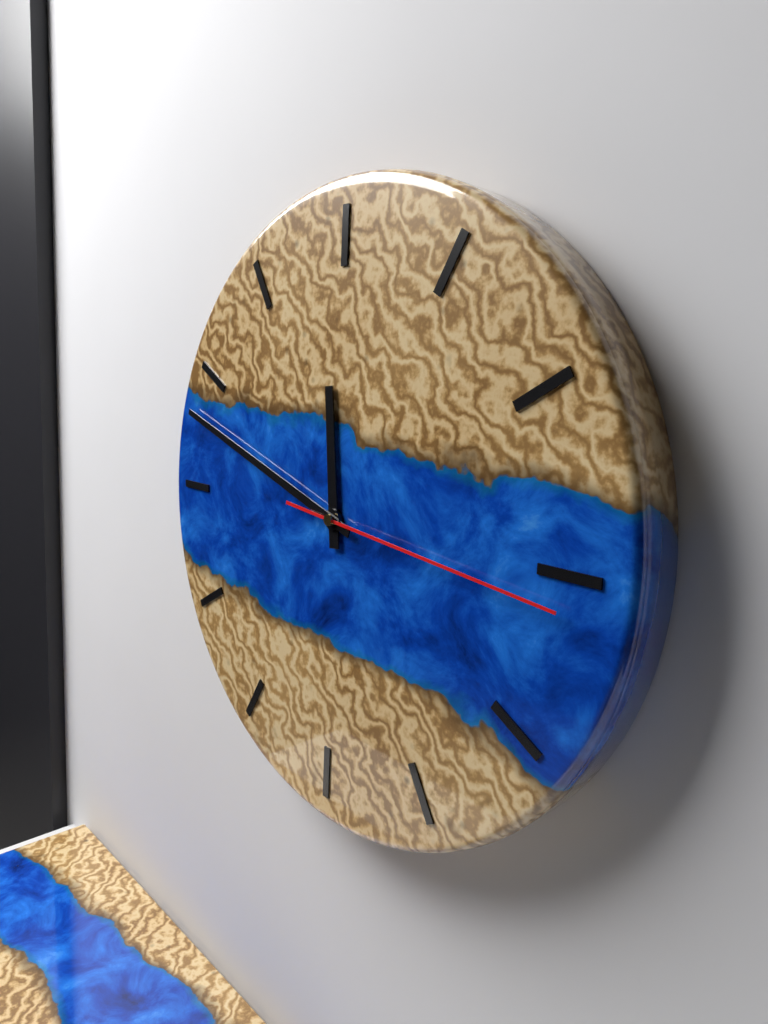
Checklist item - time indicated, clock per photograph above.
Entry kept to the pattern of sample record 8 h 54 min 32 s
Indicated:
11 h 48 min 16 s
